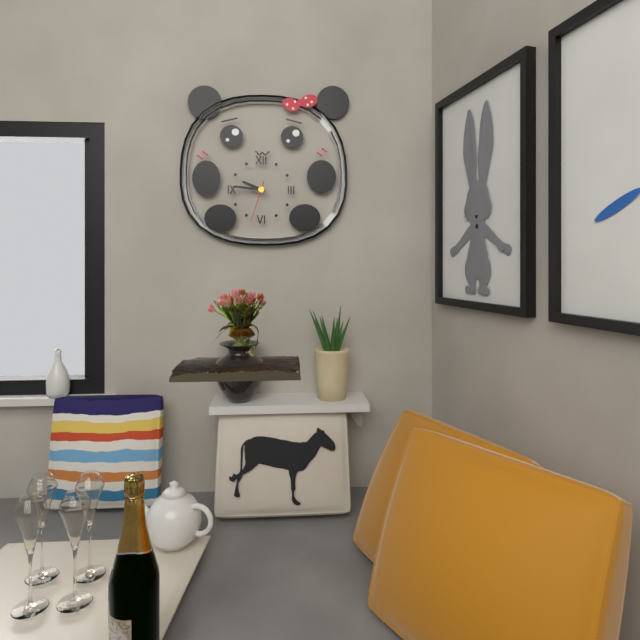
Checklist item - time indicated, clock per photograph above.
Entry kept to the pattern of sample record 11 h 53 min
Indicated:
9 h 46 min
